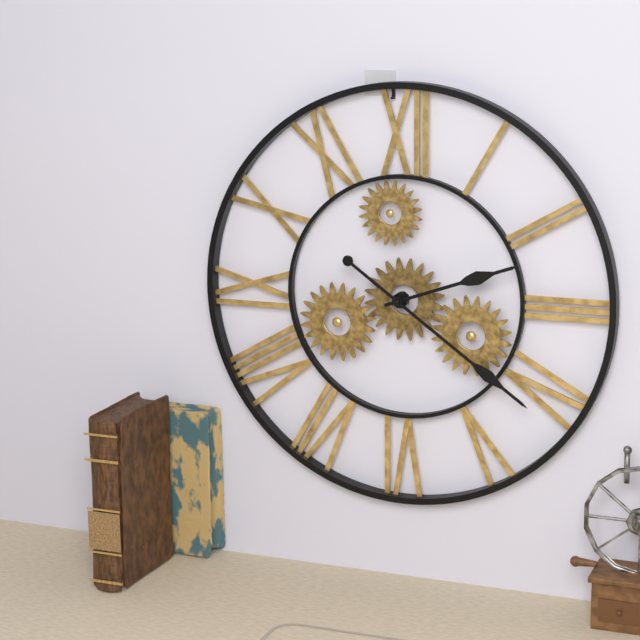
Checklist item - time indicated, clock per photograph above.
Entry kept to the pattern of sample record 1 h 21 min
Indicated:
2 h 21 min
